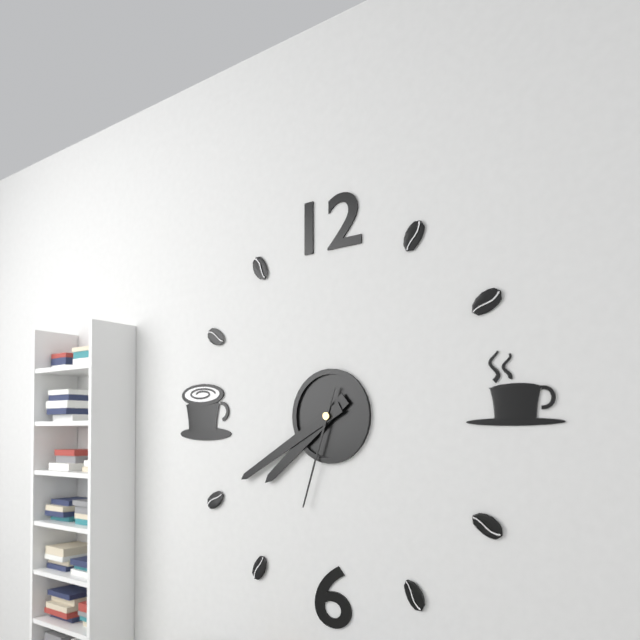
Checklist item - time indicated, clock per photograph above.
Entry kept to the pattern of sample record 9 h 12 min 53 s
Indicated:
7 h 40 min 33 s
